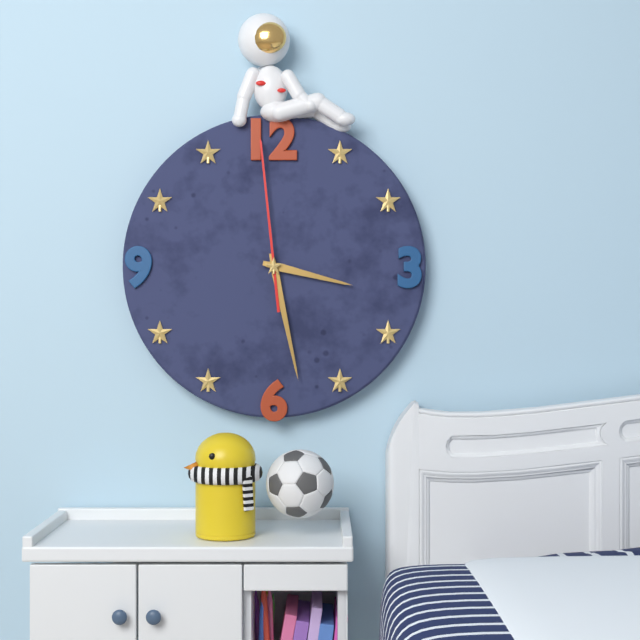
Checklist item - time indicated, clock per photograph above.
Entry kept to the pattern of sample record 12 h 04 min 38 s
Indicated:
3 h 28 min 59 s
